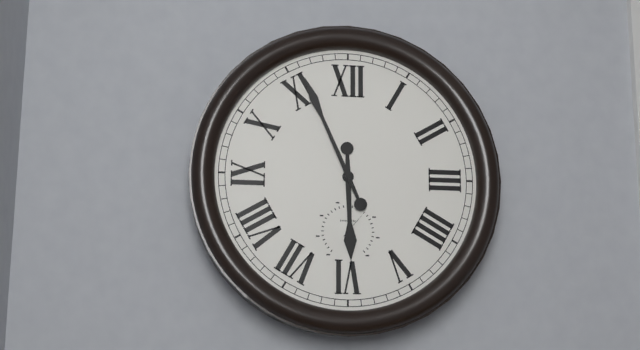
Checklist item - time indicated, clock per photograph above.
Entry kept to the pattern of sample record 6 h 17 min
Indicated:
5 h 56 min
